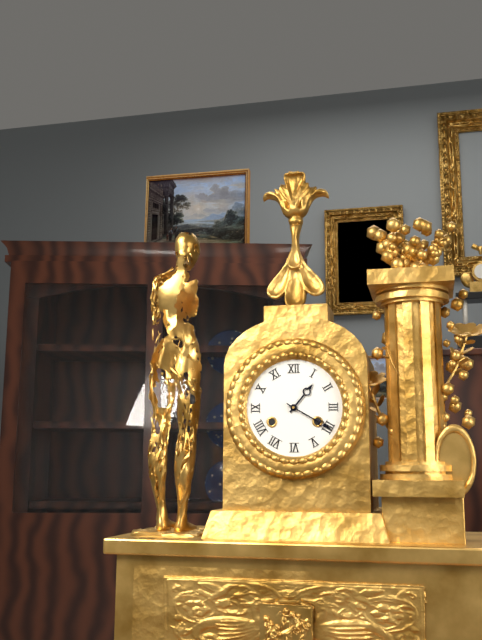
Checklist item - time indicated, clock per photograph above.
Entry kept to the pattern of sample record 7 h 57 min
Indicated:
1 h 20 min
